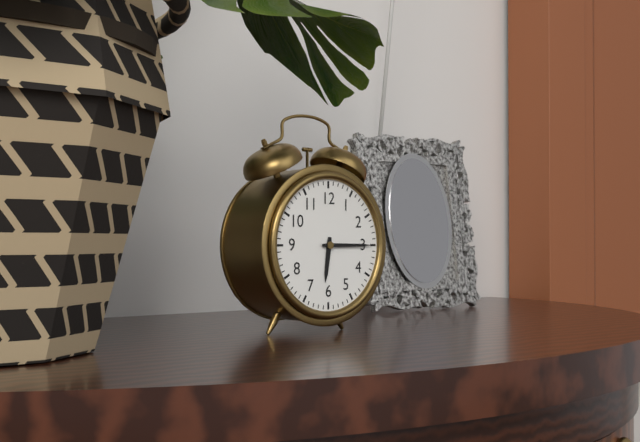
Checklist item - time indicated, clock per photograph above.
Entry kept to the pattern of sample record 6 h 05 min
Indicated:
6 h 15 min
